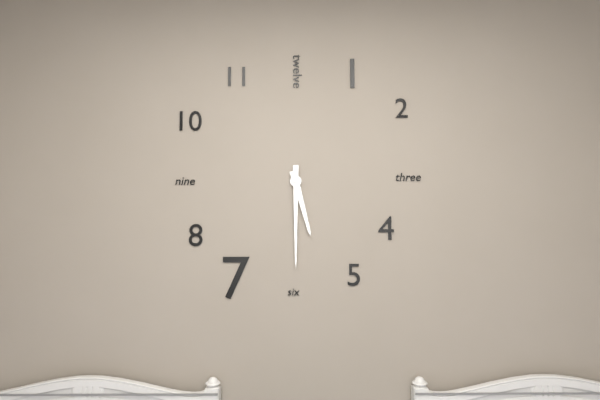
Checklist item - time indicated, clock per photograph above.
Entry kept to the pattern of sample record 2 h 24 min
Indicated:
5 h 30 min
